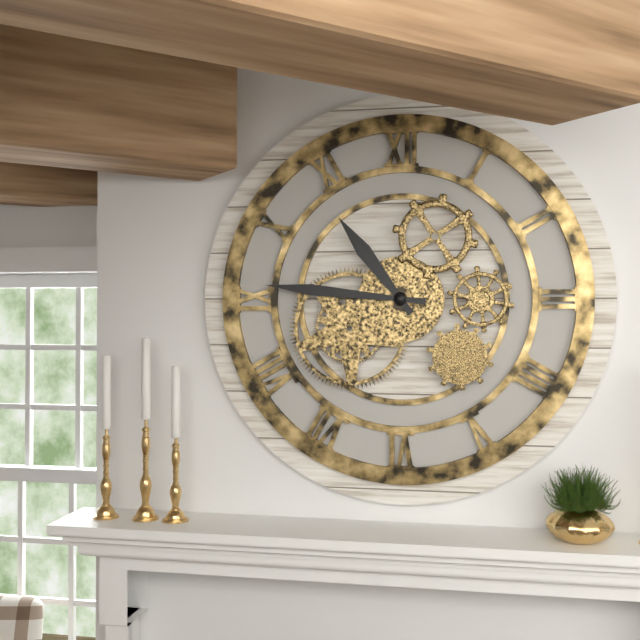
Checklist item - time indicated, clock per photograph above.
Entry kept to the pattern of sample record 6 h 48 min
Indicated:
10 h 46 min
